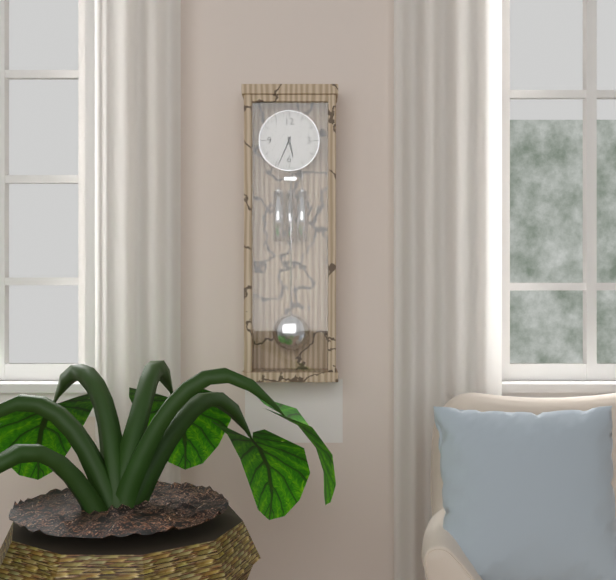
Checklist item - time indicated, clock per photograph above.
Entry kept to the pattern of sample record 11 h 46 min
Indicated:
5 h 34 min
